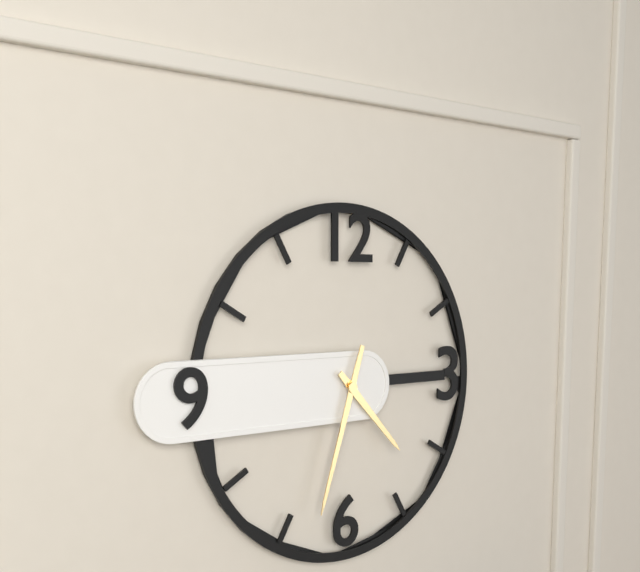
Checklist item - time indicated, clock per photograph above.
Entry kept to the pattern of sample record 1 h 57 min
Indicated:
4 h 33 min
